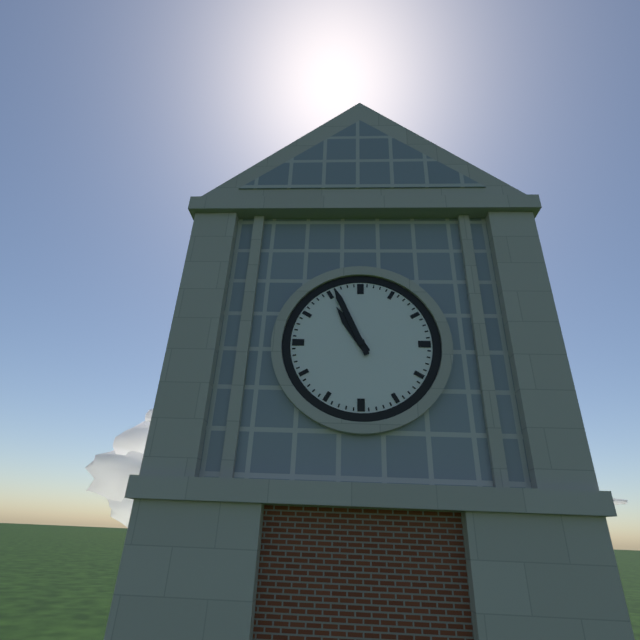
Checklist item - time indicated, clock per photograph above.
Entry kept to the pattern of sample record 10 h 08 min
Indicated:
10 h 56 min
